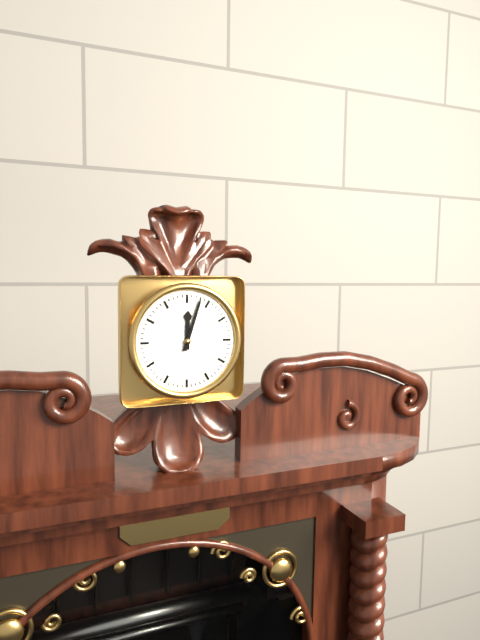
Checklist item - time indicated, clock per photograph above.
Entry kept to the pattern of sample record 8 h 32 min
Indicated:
12 h 03 min
